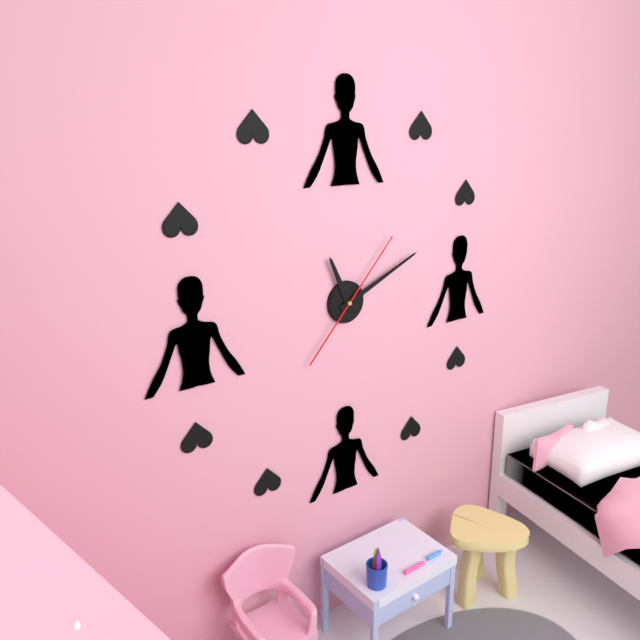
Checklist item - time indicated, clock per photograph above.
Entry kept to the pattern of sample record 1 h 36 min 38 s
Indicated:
11 h 11 min 07 s
